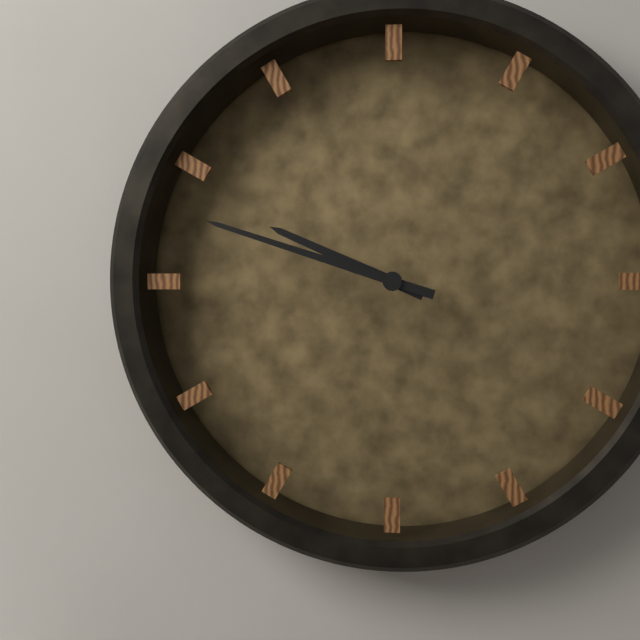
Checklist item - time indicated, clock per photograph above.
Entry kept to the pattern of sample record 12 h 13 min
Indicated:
9 h 48 min
